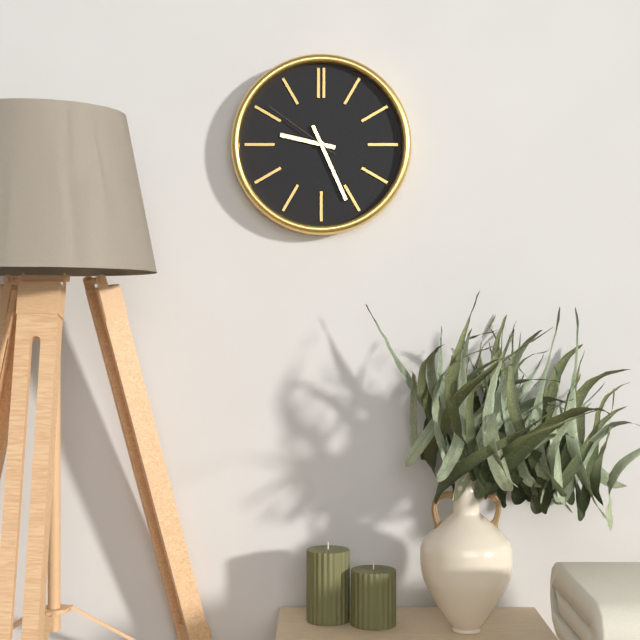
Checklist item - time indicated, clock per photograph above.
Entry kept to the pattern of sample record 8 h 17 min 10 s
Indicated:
9 h 26 min 51 s
